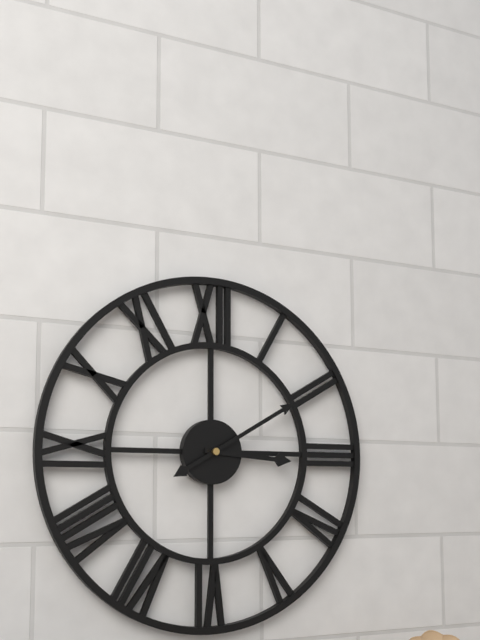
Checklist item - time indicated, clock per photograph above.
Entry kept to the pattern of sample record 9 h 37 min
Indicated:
3 h 10 min
